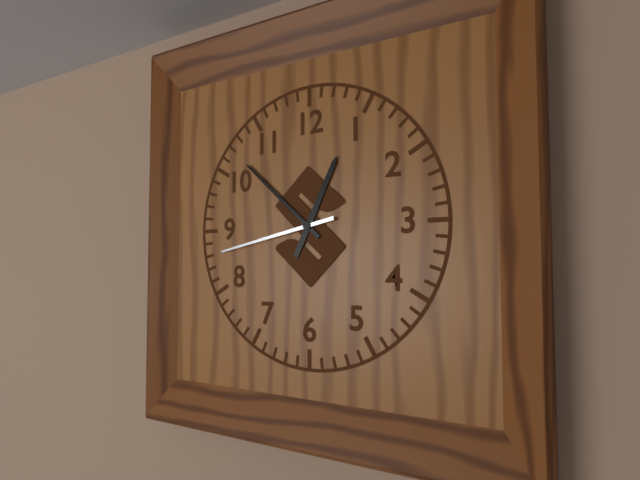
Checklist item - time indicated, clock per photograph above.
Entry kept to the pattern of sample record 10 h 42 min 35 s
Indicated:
12 h 52 min 43 s
